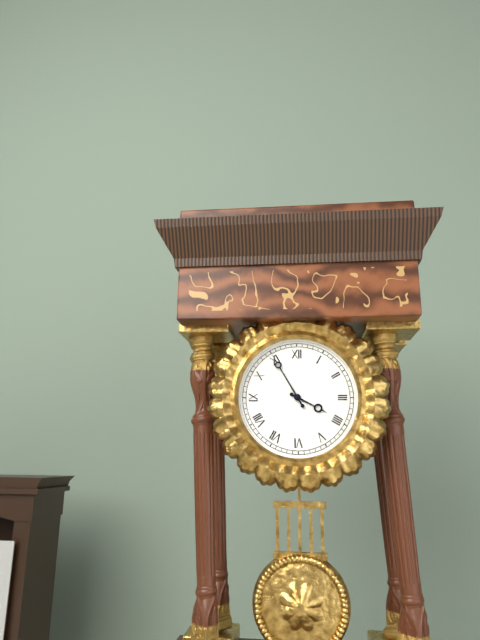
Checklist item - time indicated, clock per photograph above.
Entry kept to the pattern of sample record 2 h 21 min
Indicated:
3 h 55 min
